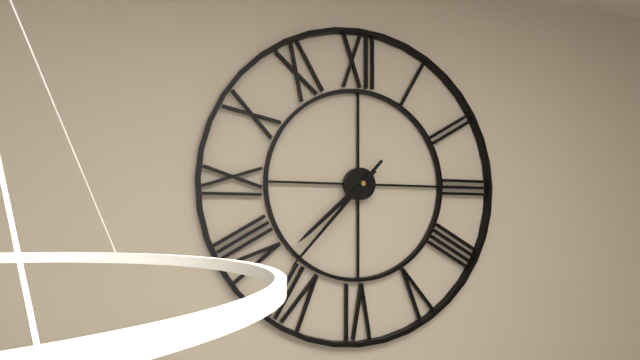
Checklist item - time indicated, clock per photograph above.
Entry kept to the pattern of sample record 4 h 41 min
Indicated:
7 h 37 min
